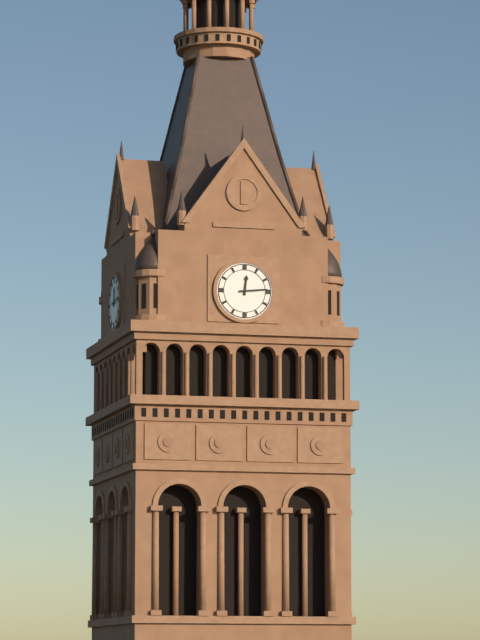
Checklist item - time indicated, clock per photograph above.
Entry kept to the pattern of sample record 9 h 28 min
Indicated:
12 h 14 min
